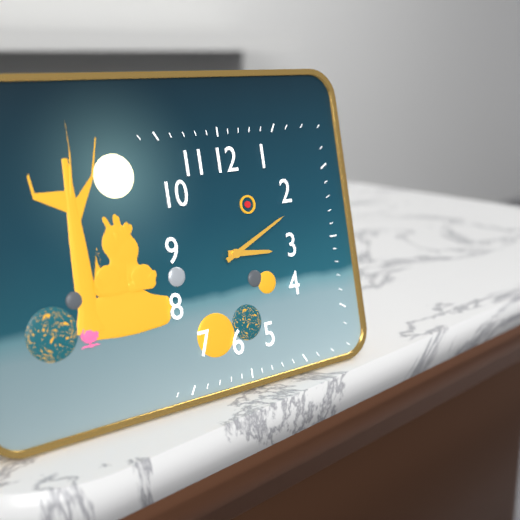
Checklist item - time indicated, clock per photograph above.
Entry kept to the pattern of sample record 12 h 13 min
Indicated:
3 h 11 min
